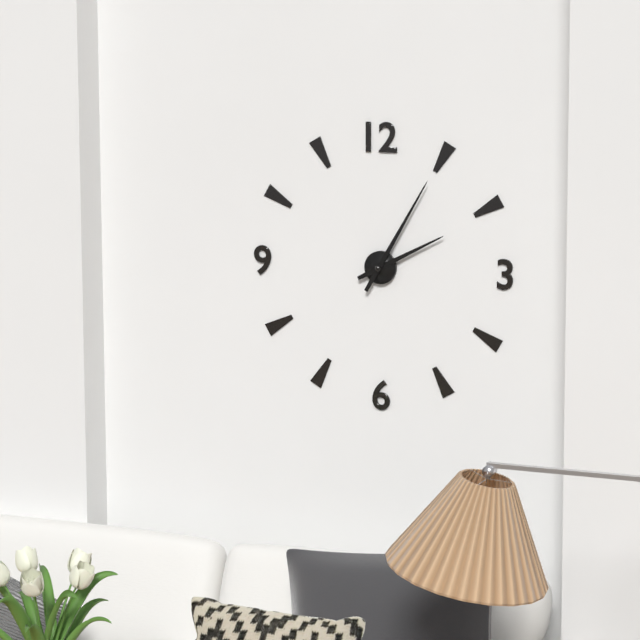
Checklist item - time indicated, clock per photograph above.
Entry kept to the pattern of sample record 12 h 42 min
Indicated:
2 h 05 min
